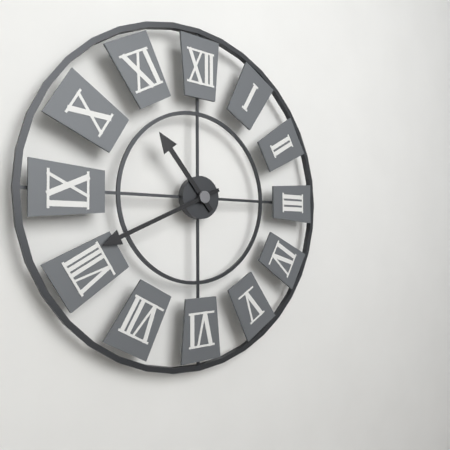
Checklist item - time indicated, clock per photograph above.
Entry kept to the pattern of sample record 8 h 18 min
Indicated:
10 h 41 min
